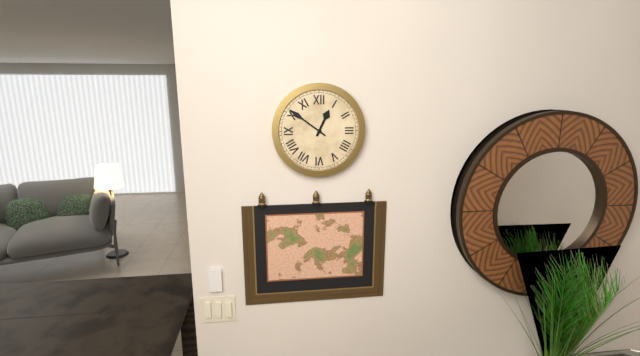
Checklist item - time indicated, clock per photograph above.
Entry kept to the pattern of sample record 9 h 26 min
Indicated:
12 h 51 min
